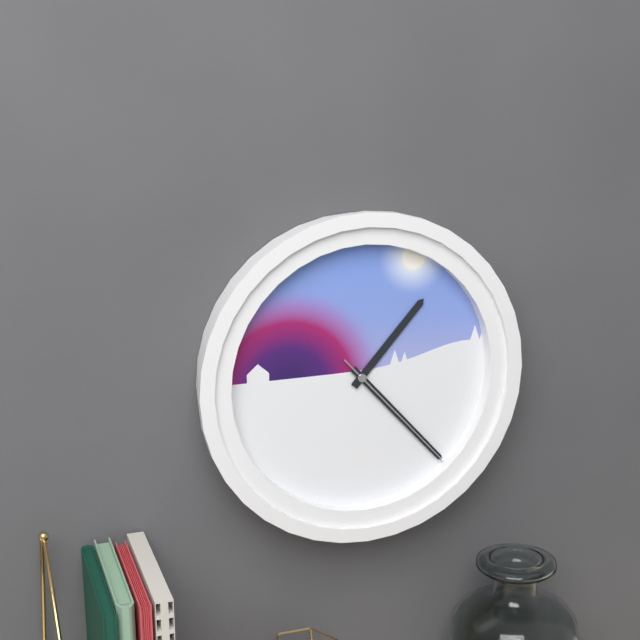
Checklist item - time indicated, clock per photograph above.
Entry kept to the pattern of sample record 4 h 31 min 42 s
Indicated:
1 h 23 min 23 s
